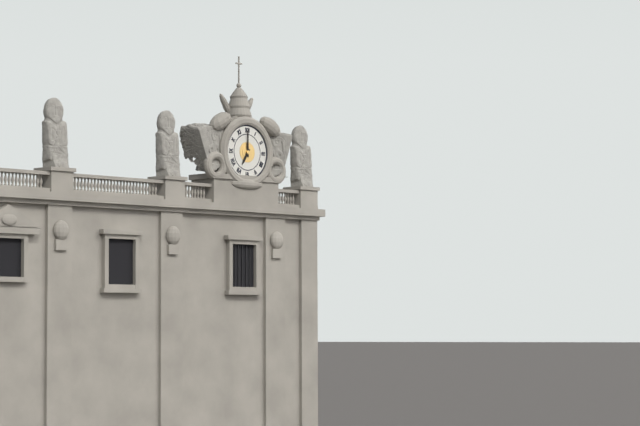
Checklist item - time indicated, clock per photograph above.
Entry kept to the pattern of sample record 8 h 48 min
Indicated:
7 h 00 min
